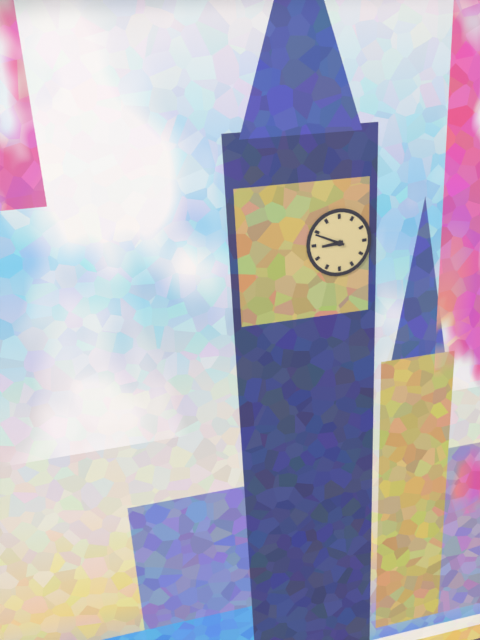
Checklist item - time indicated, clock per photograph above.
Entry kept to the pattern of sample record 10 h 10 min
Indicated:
8 h 49 min
